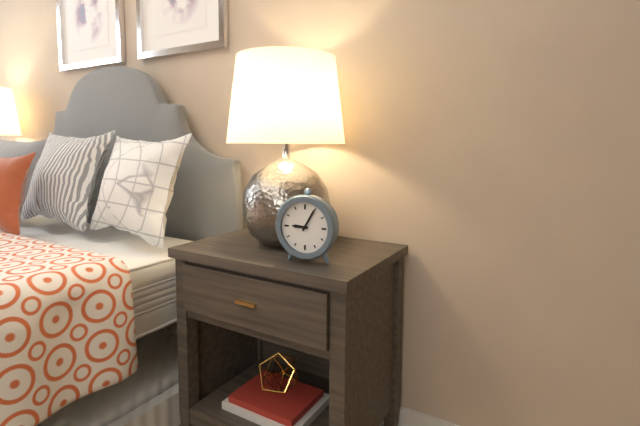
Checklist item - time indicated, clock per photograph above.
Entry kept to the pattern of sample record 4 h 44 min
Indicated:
9 h 05 min
